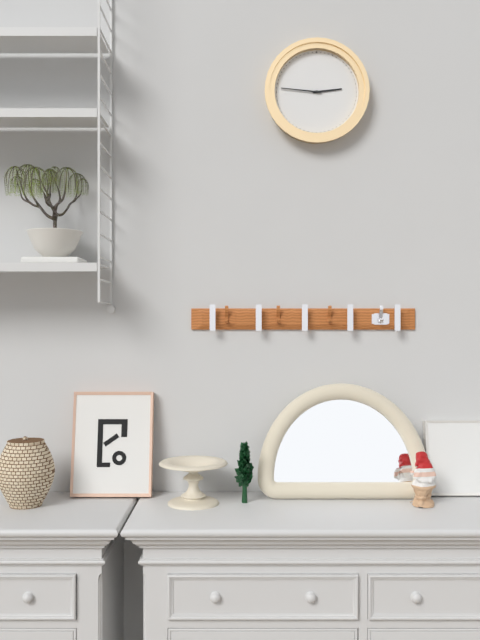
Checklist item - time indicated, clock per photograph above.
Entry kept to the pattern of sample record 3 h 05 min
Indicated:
2 h 46 min
